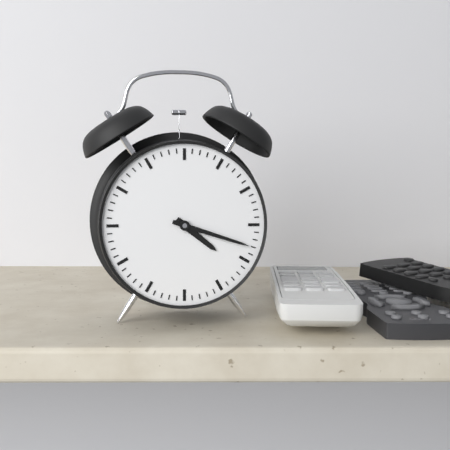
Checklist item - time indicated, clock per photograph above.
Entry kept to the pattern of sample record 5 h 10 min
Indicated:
4 h 18 min
